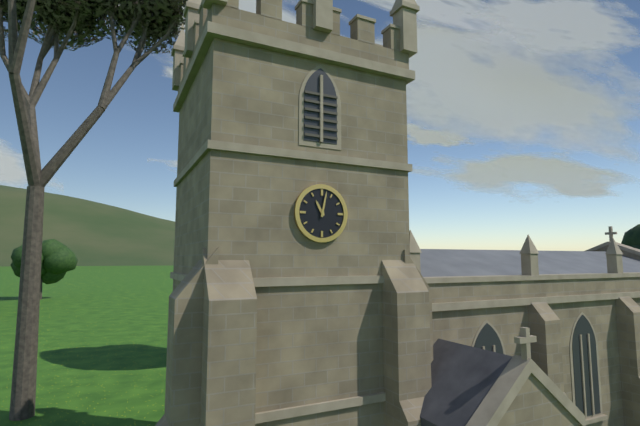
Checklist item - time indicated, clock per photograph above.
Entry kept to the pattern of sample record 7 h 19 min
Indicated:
11 h 02 min
